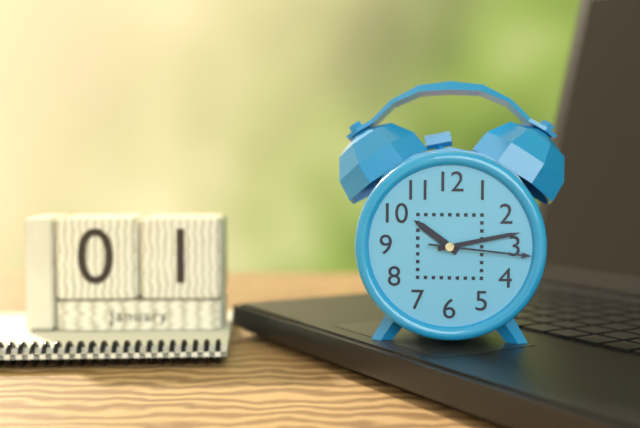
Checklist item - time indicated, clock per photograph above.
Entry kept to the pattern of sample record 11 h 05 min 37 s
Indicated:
10 h 13 min 16 s
